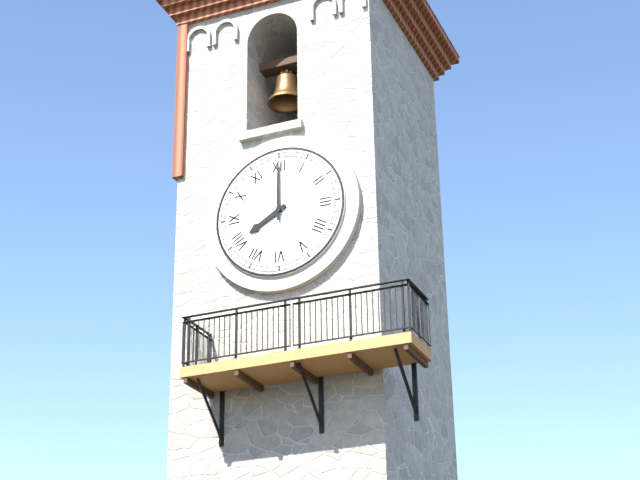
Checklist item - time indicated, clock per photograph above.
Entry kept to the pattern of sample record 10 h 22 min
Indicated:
8 h 00 min
